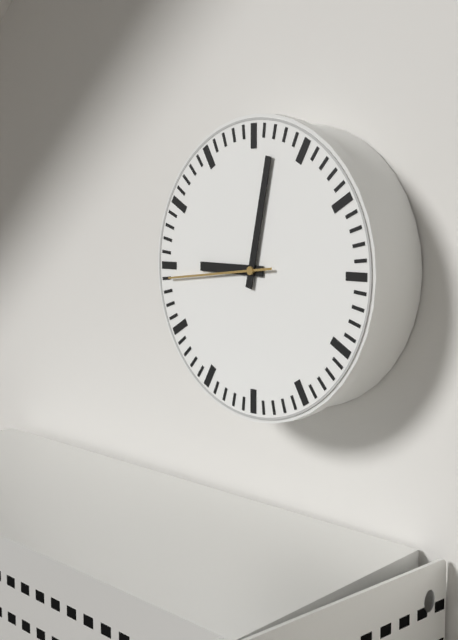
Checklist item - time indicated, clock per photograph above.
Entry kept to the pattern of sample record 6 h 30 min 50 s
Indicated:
9 h 02 min 44 s
